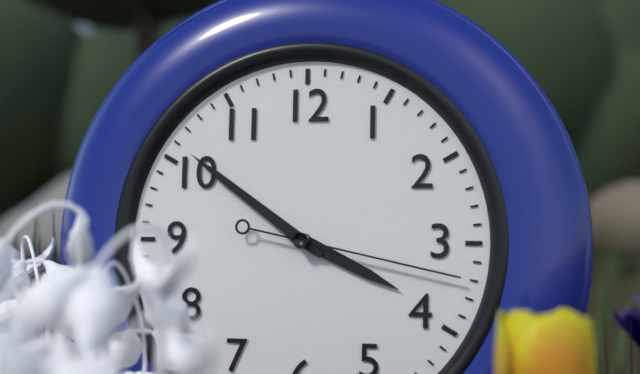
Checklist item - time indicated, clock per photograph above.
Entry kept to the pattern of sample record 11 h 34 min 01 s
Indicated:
3 h 51 min 17 s
